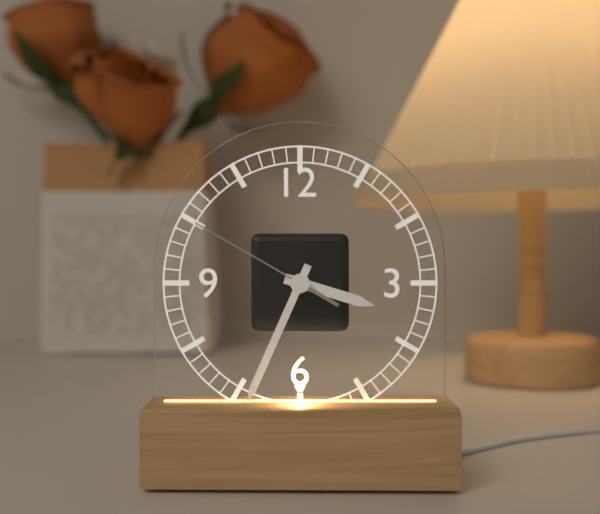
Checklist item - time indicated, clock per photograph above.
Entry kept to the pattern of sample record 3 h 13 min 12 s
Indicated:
3 h 34 min 50 s
